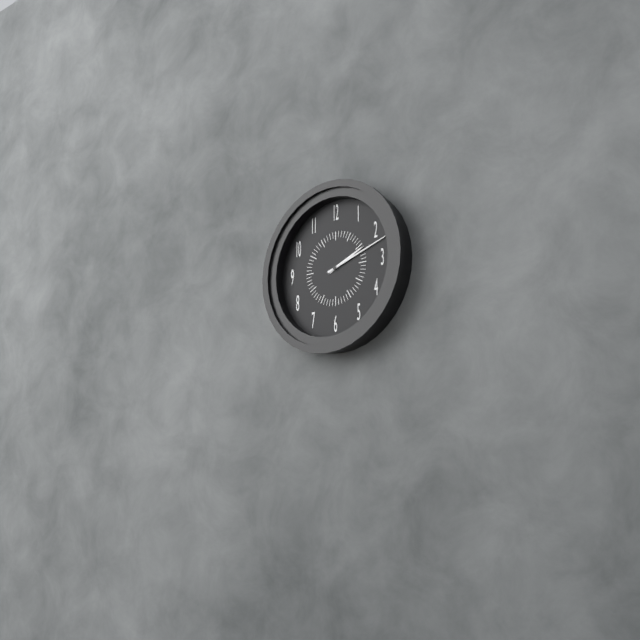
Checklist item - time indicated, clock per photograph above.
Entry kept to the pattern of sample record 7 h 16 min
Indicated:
2 h 12 min
